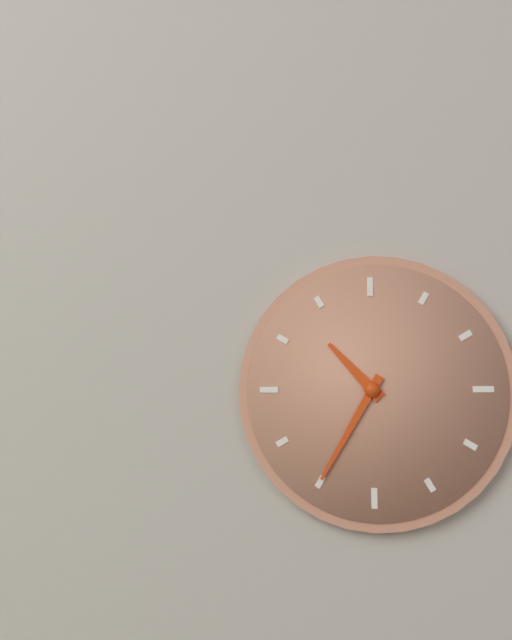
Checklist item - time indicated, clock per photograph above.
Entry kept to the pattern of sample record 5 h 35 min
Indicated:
10 h 35 min
